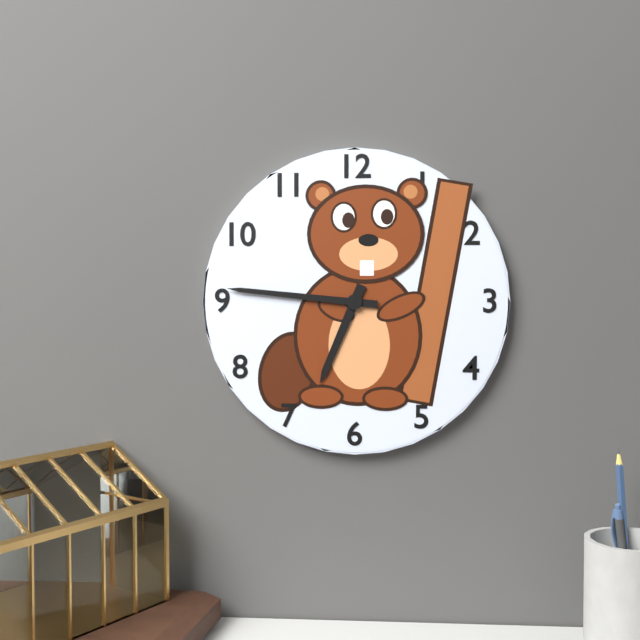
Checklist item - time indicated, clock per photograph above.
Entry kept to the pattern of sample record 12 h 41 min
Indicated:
6 h 46 min
